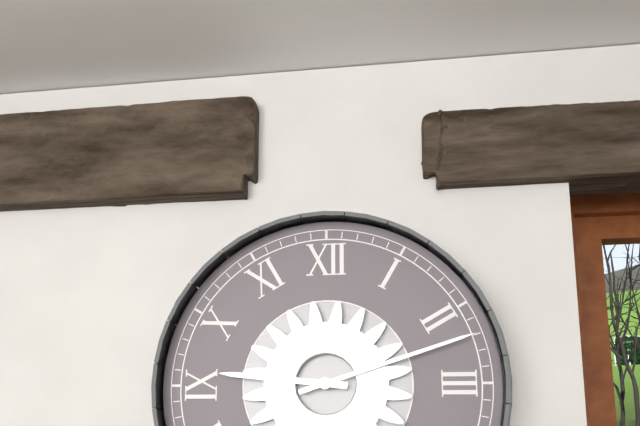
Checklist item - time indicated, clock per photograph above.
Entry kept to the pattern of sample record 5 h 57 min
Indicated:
9 h 12 min
